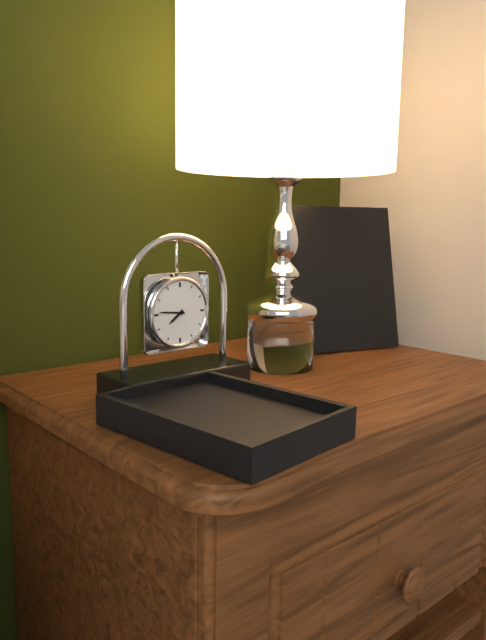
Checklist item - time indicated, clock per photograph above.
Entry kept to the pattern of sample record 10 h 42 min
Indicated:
7 h 46 min
